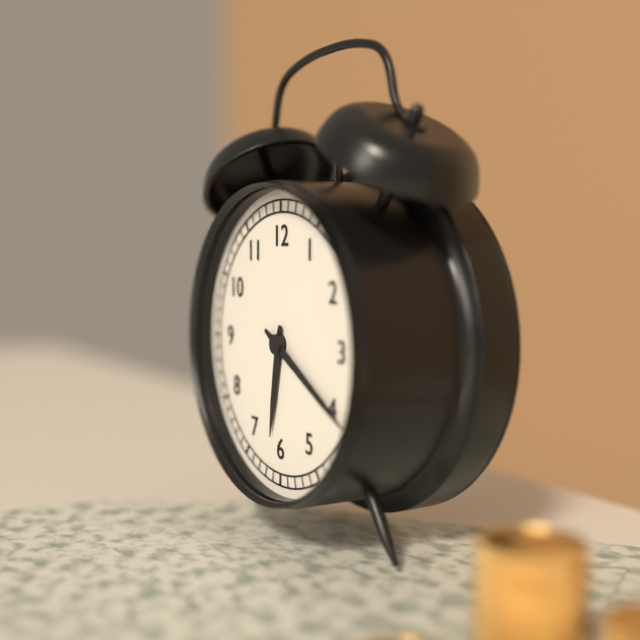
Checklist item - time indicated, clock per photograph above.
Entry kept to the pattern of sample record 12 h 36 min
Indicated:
6 h 20 min
